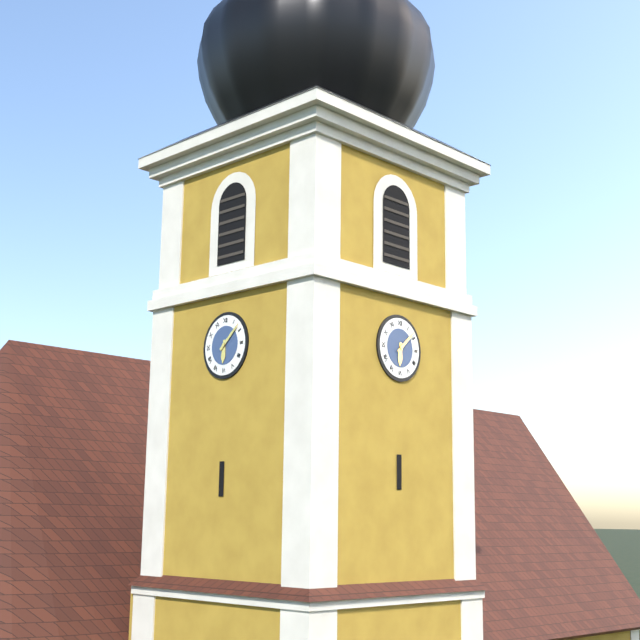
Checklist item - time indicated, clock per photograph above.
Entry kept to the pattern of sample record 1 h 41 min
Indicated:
6 h 08 min
